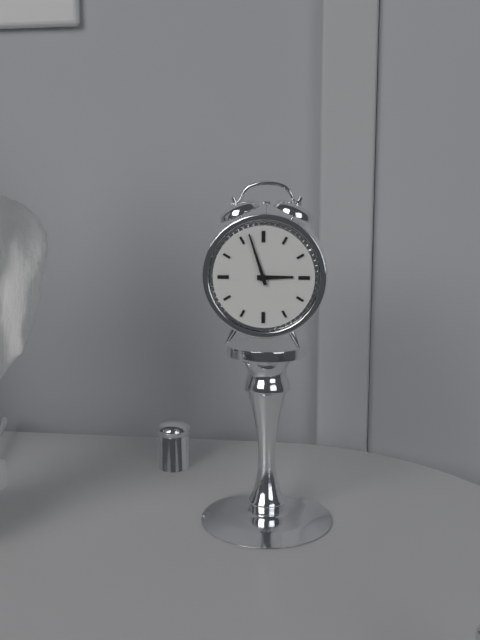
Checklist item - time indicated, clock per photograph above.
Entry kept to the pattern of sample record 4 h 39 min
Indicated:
2 h 57 min
